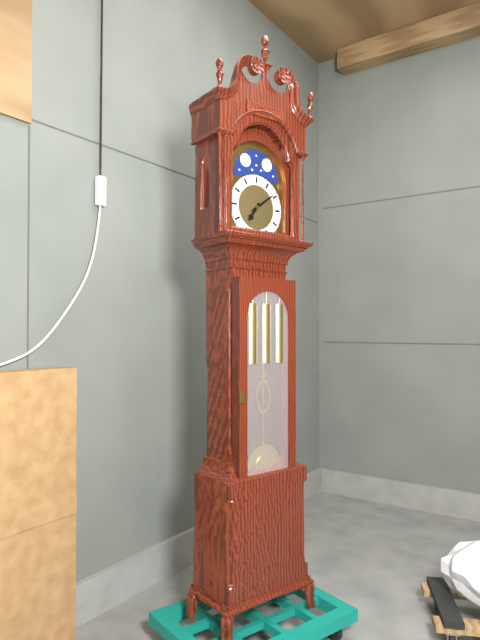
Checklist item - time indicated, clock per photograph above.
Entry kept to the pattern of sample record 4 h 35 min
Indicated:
7 h 09 min
